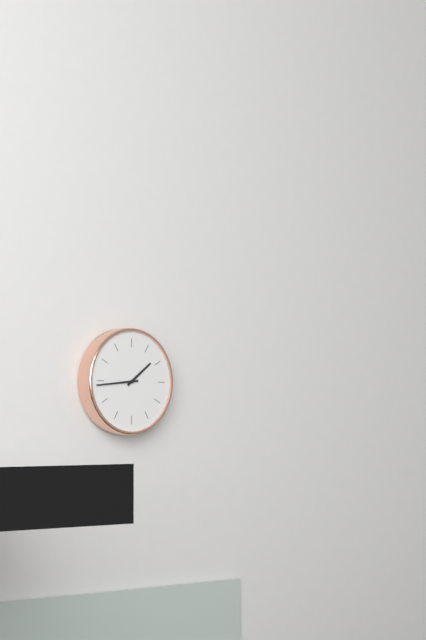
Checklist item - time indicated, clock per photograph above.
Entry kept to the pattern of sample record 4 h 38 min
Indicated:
1 h 44 min
